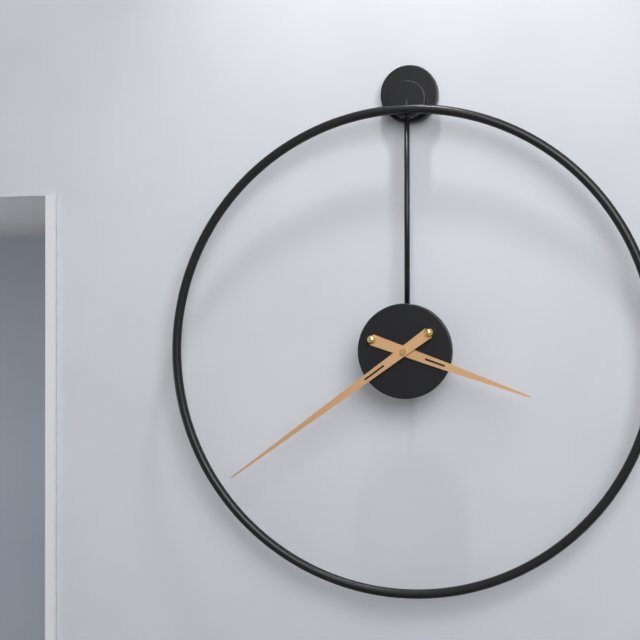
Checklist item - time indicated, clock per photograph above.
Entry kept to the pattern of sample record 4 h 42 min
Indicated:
3 h 39 min
